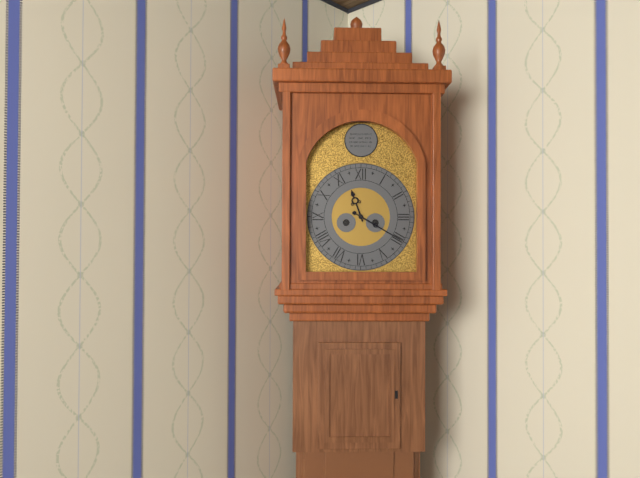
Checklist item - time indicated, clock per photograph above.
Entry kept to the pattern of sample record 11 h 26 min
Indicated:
11 h 20 min
